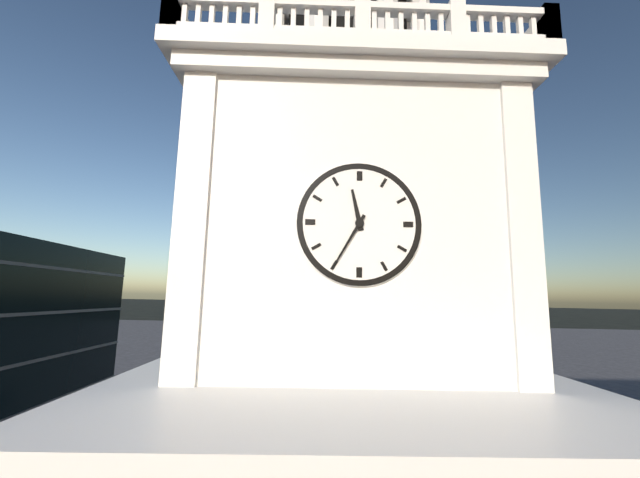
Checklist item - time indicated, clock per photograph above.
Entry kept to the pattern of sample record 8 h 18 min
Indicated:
11 h 35 min
